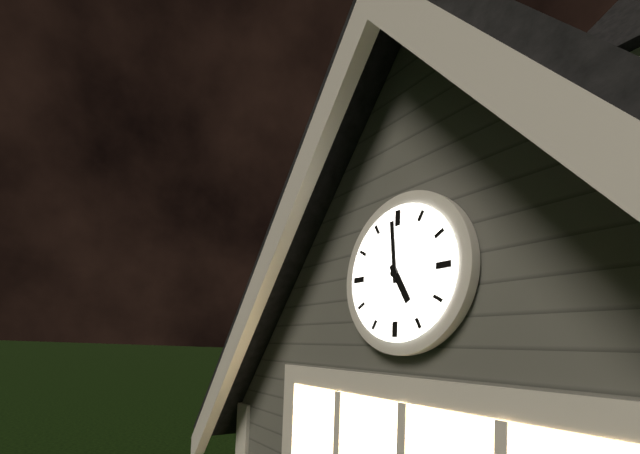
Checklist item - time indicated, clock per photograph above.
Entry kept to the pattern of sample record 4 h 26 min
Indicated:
4 h 59 min
